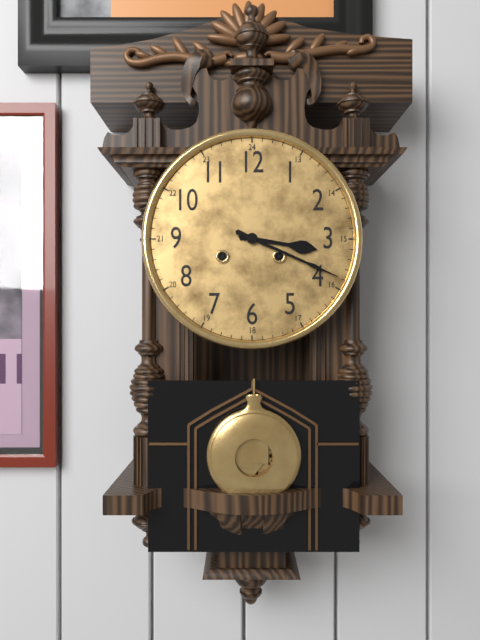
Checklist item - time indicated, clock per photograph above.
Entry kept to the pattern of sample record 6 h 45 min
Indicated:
3 h 19 min
